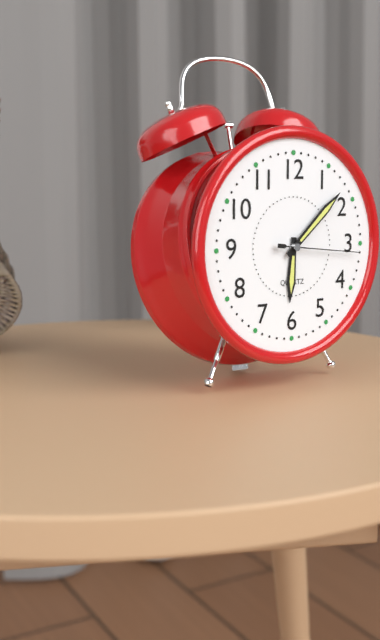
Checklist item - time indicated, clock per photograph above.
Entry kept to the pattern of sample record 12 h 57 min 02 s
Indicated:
6 h 08 min 16 s
